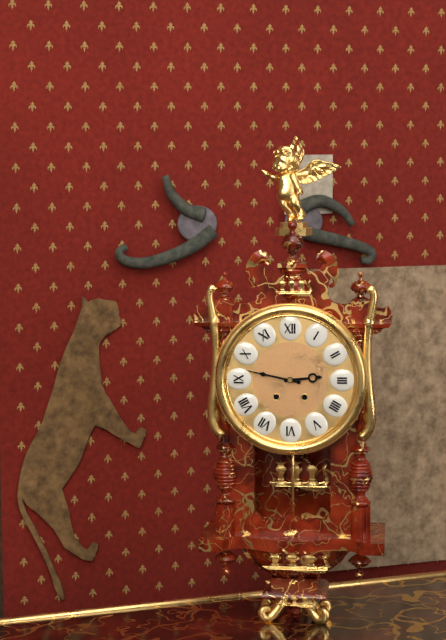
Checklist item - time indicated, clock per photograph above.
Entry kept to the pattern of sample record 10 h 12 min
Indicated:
2 h 47 min
